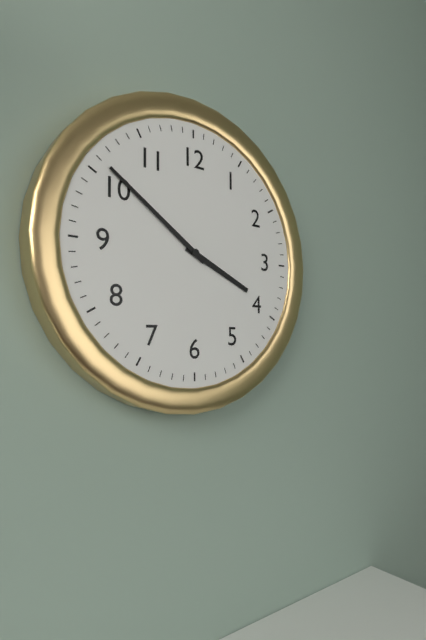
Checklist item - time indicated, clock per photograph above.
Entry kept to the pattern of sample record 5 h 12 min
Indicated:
3 h 51 min
